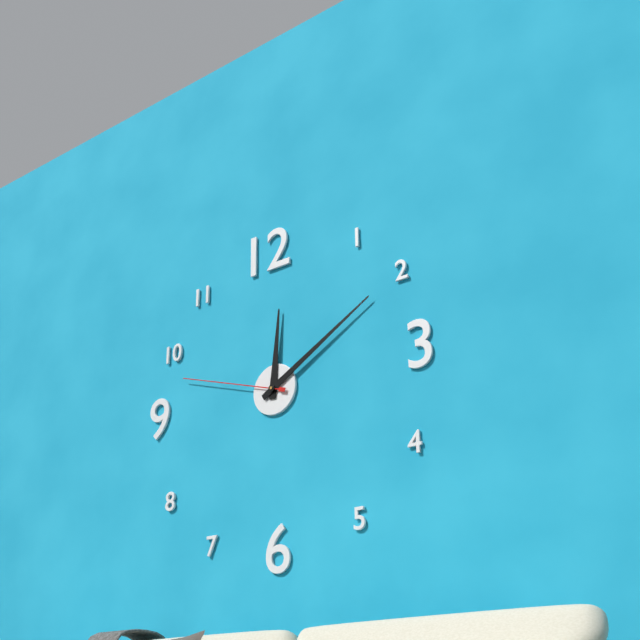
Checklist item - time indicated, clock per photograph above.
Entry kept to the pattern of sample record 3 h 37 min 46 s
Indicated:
12 h 10 min 48 s
